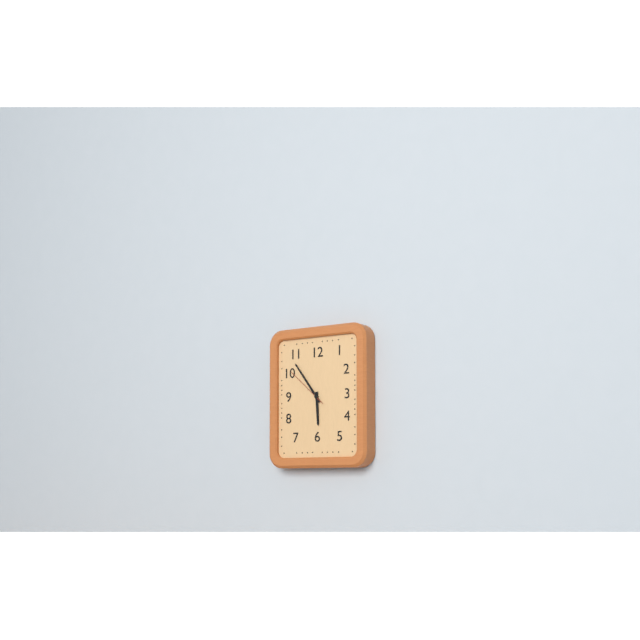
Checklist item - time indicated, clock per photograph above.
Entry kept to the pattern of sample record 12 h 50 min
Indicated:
5 h 54 min
